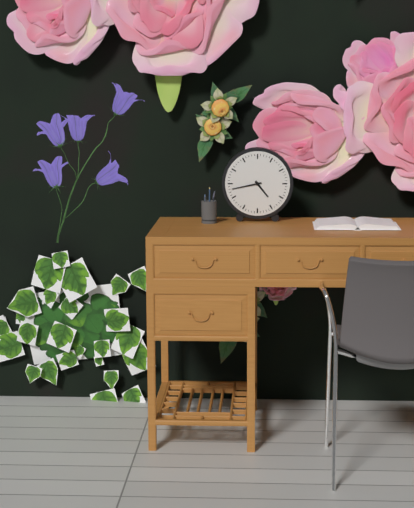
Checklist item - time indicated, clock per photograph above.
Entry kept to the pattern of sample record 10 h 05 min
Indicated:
4 h 43 min
